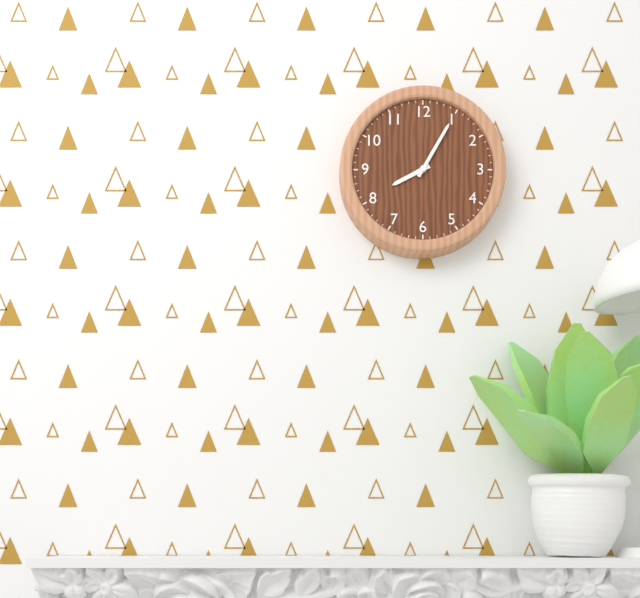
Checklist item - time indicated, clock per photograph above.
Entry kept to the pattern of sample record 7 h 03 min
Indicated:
8 h 05 min
